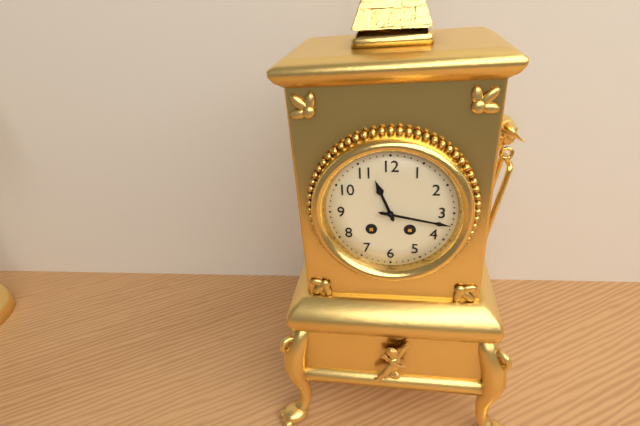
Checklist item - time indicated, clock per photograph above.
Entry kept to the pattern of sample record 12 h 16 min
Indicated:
11 h 17 min
